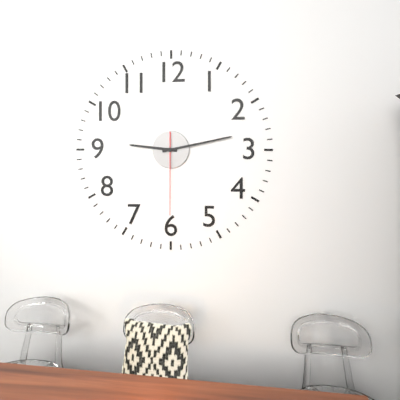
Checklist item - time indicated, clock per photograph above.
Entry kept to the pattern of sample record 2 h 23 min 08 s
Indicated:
9 h 13 min 30 s
